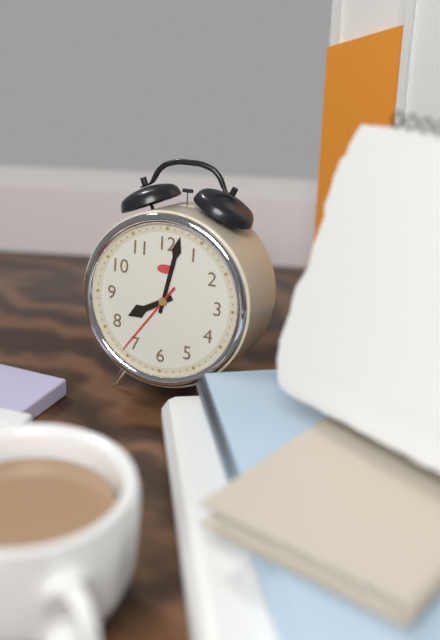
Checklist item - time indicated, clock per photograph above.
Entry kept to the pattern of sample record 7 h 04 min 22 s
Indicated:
8 h 02 min 36 s
